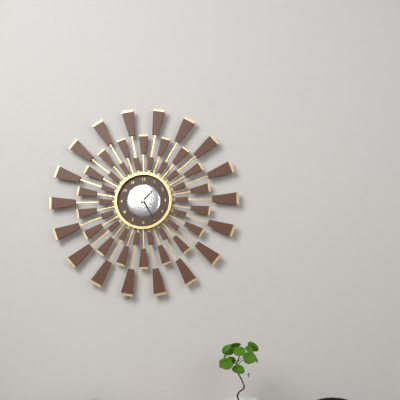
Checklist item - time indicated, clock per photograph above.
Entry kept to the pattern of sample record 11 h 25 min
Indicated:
1 h 25 min
